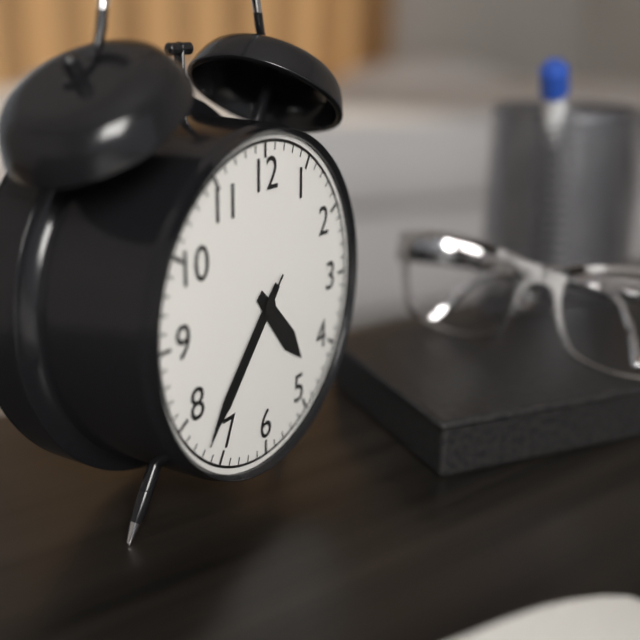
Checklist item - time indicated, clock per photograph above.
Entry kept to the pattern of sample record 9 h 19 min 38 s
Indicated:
4 h 37 min 37 s
